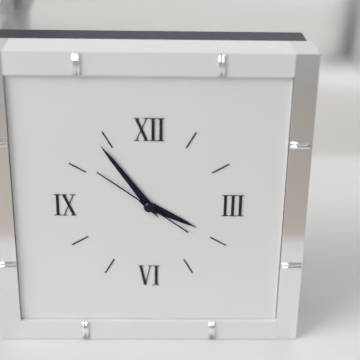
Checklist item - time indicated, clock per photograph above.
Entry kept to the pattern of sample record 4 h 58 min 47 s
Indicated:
3 h 54 min 51 s
